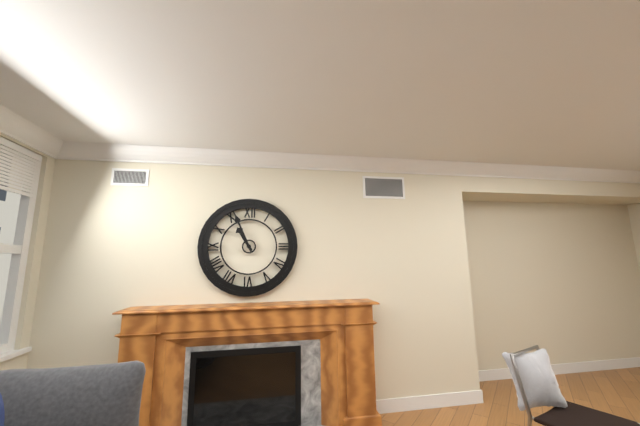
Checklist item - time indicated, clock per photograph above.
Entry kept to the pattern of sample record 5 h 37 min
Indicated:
10 h 56 min
